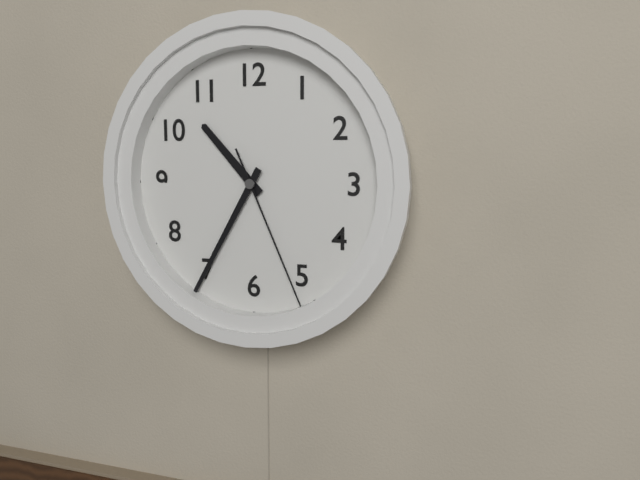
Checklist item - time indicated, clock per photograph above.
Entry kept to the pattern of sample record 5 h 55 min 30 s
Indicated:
10 h 35 min 26 s
